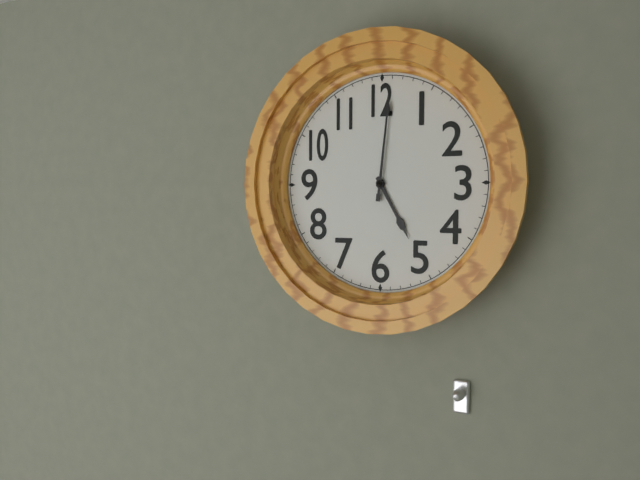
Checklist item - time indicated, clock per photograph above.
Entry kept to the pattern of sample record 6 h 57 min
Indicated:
5 h 01 min
